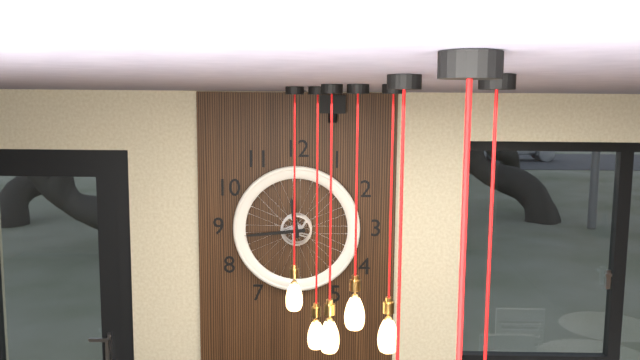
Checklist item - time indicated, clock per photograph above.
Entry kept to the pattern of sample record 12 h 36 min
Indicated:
11 h 44 min
